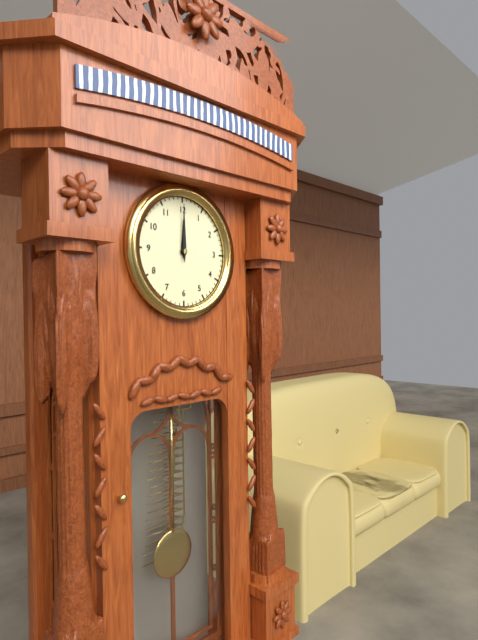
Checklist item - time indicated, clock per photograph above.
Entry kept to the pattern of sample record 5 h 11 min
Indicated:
12 h 00 min
